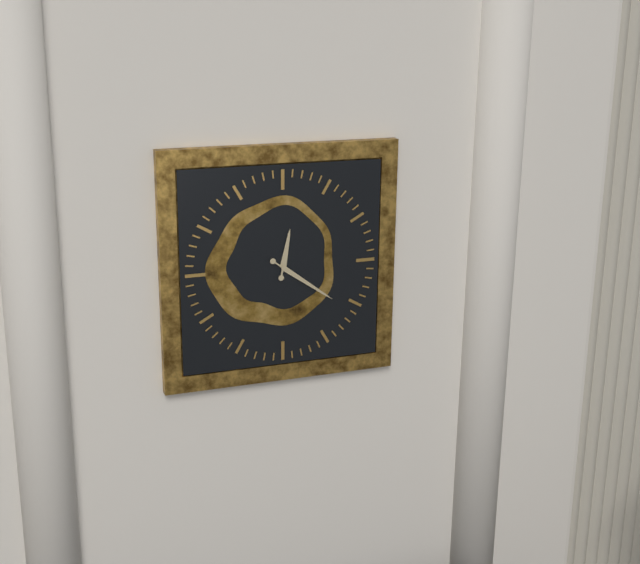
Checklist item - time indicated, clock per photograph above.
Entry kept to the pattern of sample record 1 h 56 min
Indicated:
12 h 21 min
